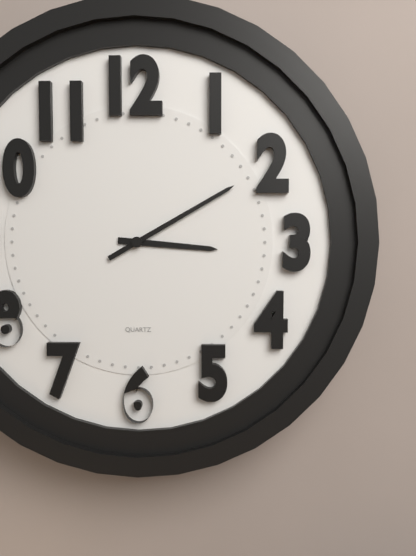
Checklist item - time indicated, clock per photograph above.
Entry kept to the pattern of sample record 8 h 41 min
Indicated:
3 h 10 min
